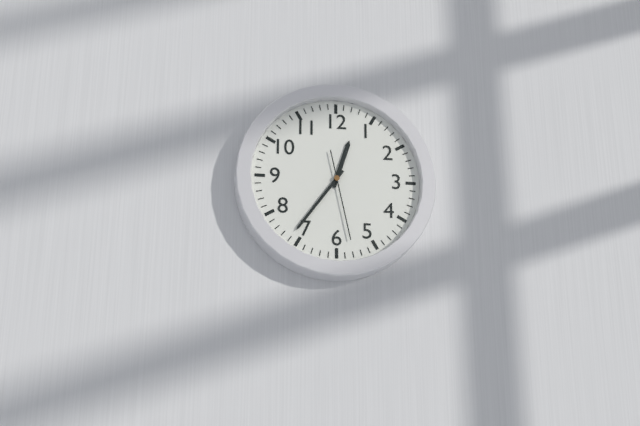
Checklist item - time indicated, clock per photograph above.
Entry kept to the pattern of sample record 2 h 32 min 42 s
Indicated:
12 h 36 min 28 s
